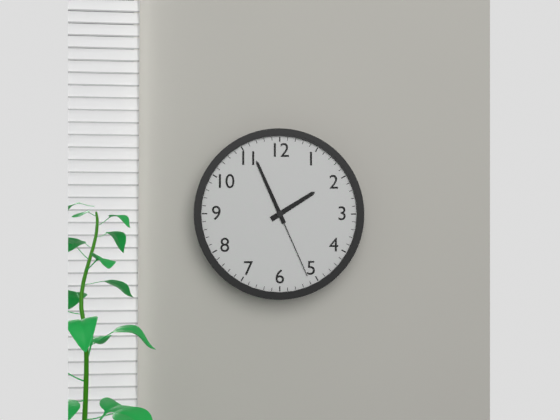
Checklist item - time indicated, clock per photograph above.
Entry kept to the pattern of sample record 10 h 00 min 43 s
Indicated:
1 h 56 min 26 s
